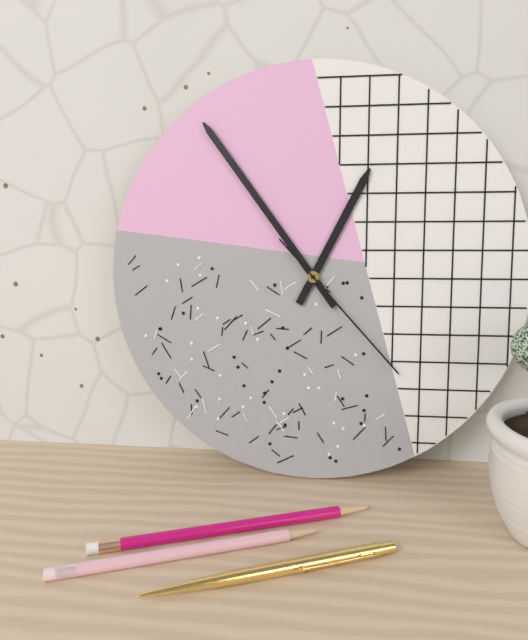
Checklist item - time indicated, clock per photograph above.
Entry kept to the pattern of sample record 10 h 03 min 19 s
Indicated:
12 h 54 min 23 s
